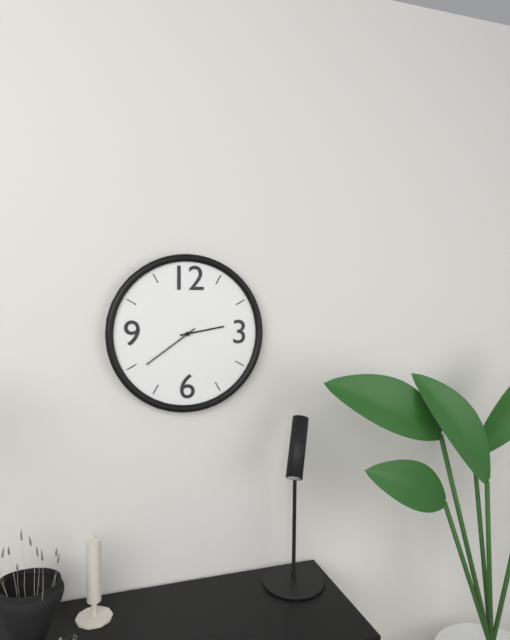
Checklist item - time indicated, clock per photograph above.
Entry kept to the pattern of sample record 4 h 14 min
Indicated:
2 h 39 min
